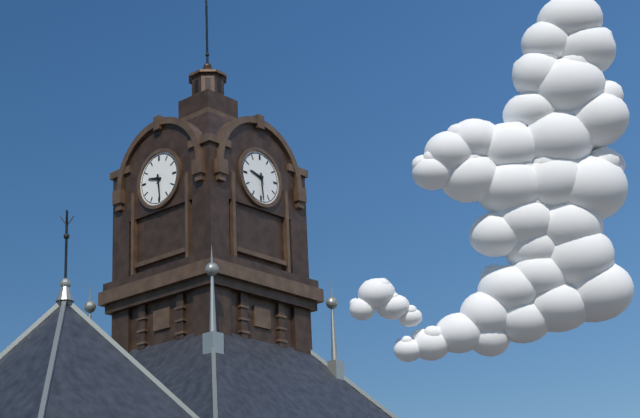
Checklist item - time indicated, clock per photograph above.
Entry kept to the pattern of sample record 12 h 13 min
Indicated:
9 h 29 min
